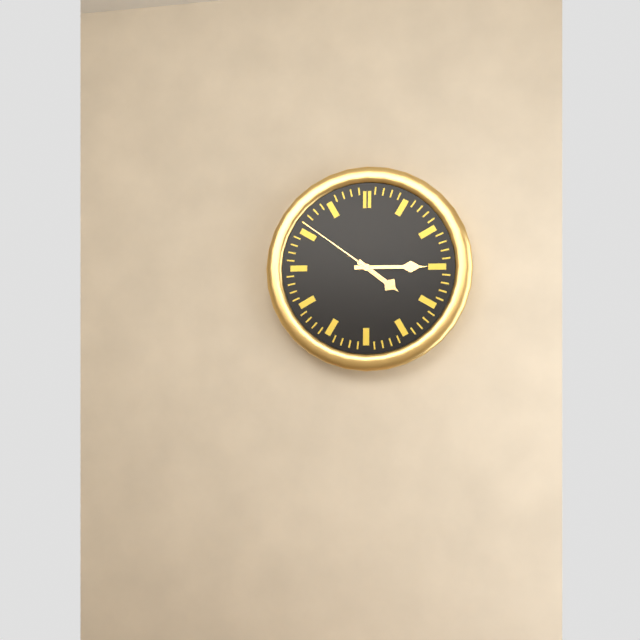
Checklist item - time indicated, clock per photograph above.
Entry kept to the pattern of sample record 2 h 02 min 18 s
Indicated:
4 h 15 min 51 s
